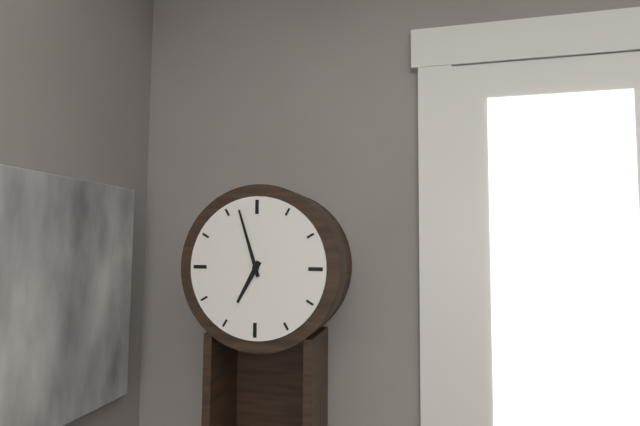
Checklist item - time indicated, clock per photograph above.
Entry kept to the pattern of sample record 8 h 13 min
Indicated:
6 h 57 min
